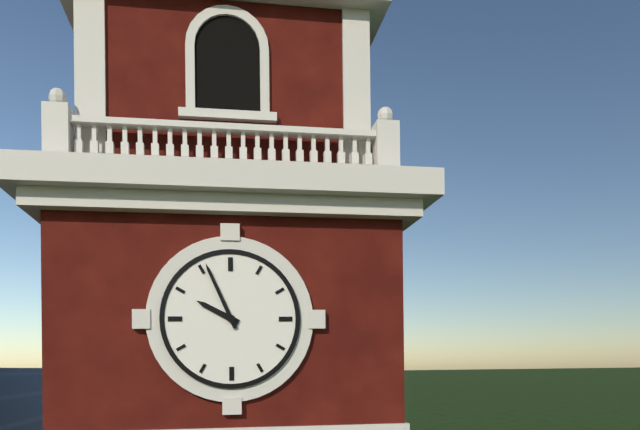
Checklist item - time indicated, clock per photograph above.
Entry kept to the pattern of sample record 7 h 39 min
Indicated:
9 h 56 min
